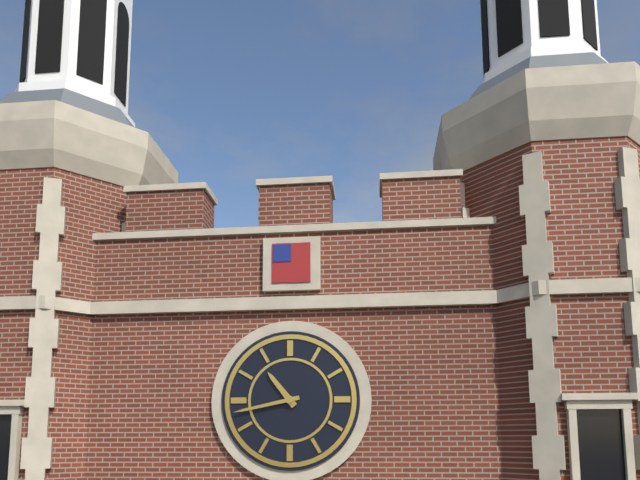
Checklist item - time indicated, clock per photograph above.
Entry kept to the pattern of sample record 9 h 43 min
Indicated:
10 h 43 min
